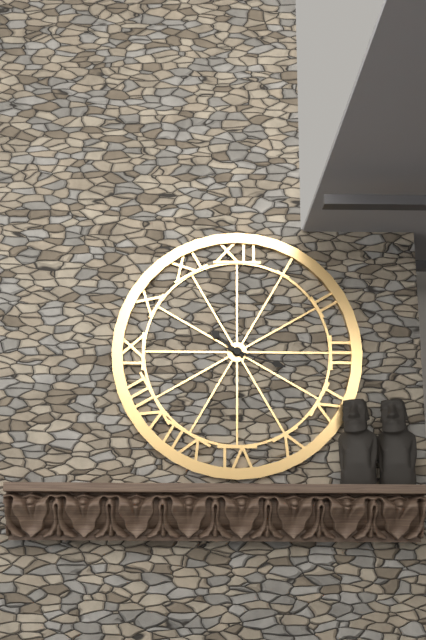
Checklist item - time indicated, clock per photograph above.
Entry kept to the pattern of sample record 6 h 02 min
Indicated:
10 h 18 min
